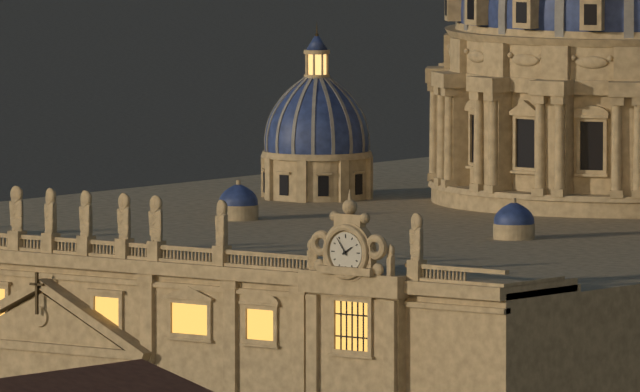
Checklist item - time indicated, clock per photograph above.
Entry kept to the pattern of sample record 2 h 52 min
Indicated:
1 h 54 min
